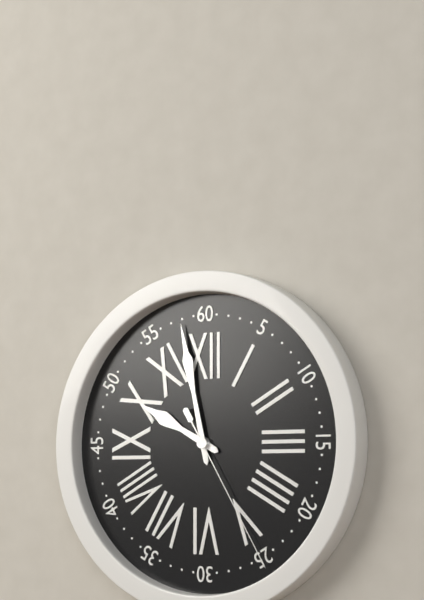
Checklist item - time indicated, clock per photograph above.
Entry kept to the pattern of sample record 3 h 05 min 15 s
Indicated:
9 h 58 min 25 s
